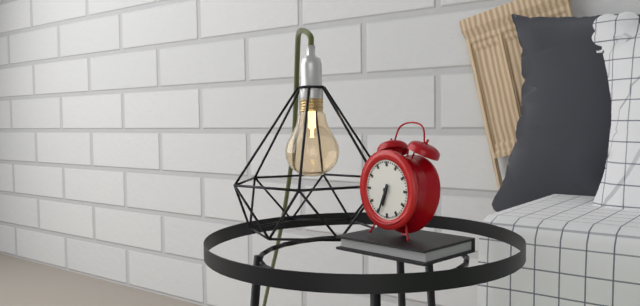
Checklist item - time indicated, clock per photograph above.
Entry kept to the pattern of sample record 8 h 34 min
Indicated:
6 h 34 min
